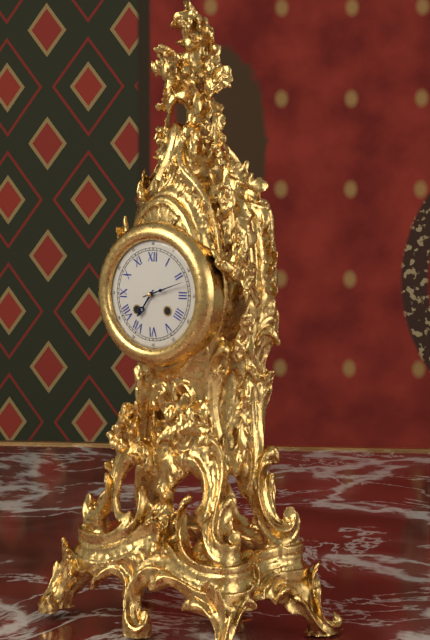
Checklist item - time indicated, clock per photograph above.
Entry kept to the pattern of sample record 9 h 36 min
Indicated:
7 h 12 min
